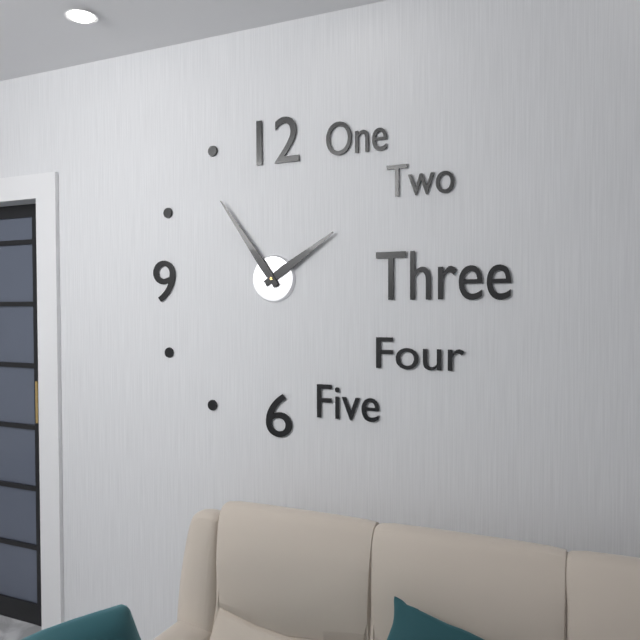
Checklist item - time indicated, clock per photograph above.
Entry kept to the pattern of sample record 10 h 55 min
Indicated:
1 h 54 min
